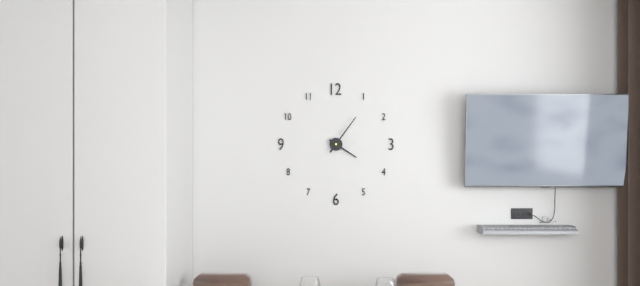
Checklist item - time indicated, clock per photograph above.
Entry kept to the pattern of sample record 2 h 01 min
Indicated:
4 h 06 min
